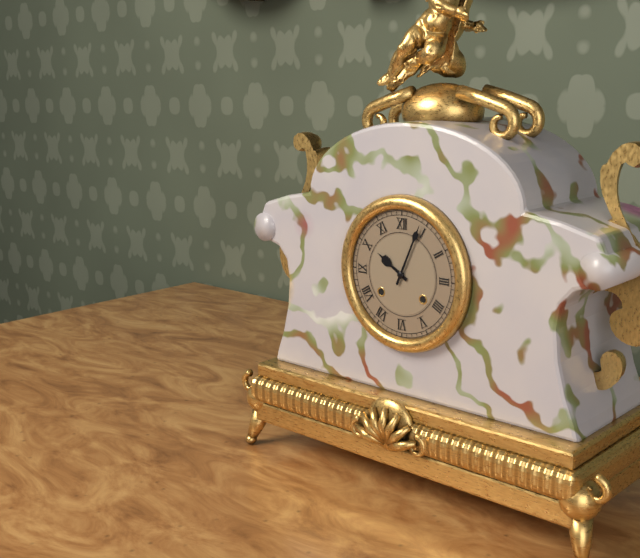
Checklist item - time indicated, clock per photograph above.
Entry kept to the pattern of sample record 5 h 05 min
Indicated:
10 h 04 min
